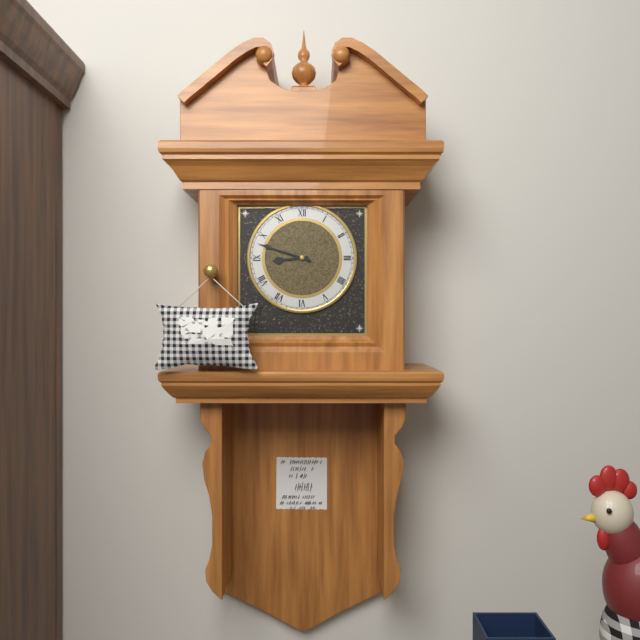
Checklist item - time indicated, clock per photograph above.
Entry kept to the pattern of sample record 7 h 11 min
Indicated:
8 h 48 min
